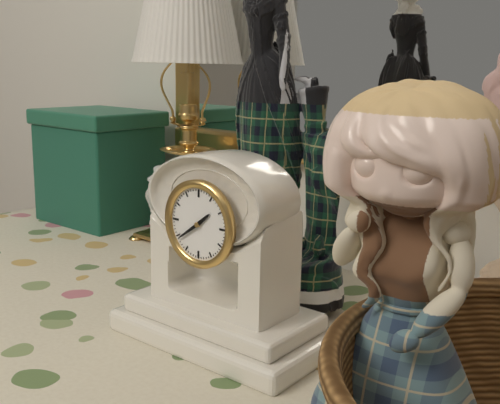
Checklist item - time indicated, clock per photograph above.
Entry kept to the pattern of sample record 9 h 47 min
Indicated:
1 h 39 min
